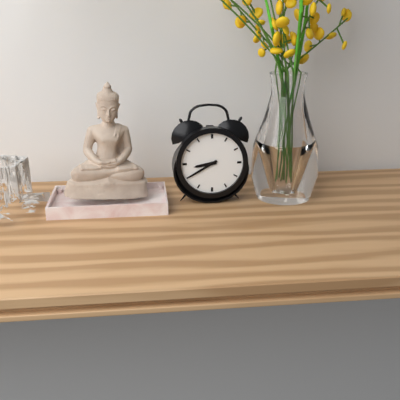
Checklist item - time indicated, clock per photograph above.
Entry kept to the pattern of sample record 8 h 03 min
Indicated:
8 h 40 min
